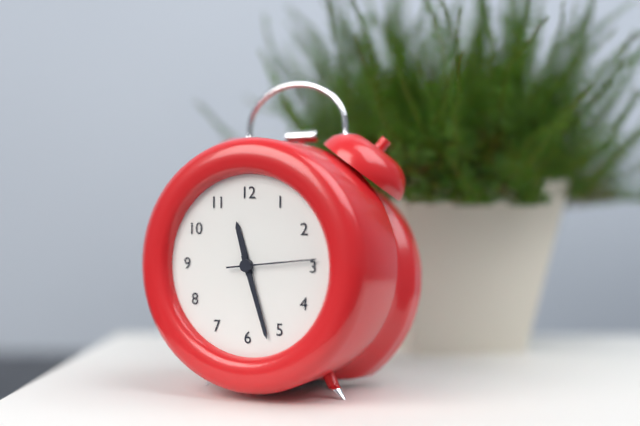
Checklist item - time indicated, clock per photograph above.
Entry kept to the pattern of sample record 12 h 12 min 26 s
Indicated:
11 h 27 min 14 s
